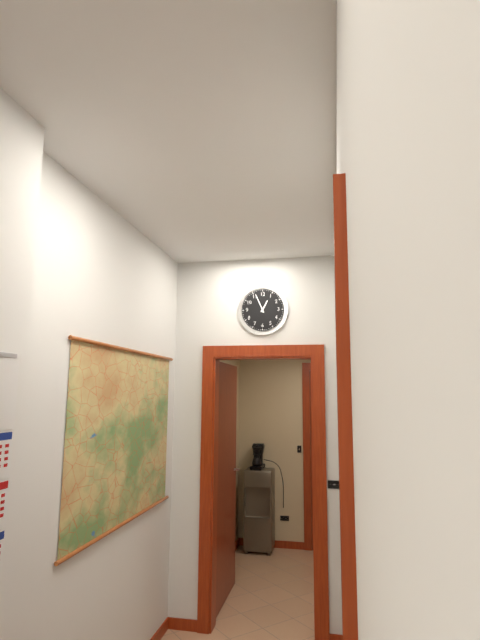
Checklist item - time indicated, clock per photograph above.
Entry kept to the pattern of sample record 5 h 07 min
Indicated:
12 h 56 min
